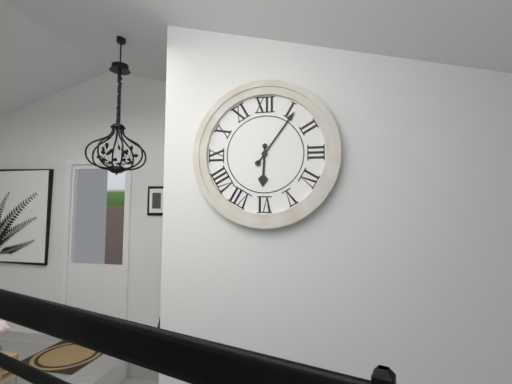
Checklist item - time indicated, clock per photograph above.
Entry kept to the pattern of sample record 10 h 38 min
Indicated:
6 h 06 min
